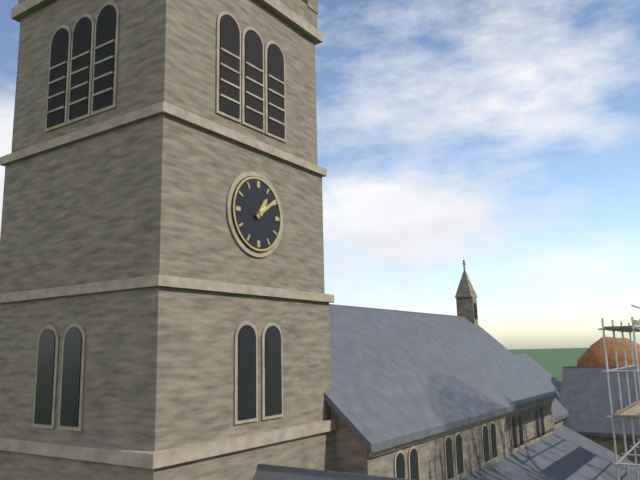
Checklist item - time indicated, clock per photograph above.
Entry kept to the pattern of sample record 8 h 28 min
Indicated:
1 h 09 min
